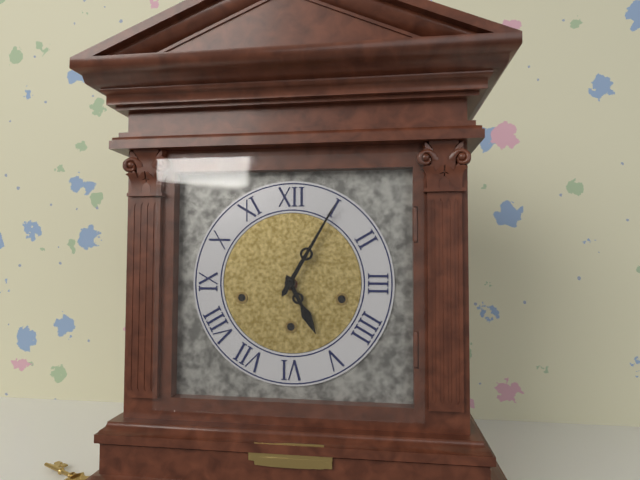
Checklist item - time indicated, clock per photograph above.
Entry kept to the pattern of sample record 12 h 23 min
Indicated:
5 h 05 min
